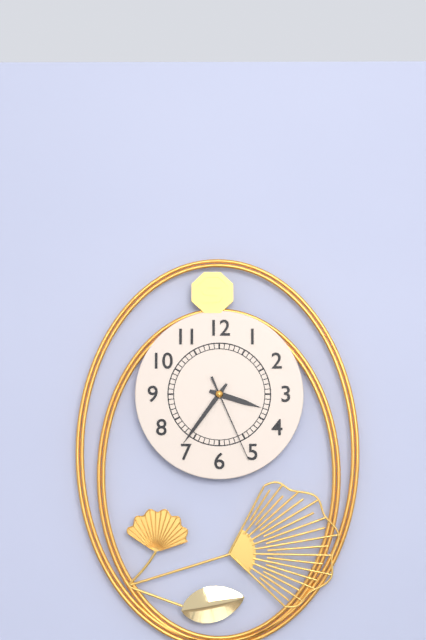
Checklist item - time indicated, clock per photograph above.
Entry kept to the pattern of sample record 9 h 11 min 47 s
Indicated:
3 h 36 min 26 s
